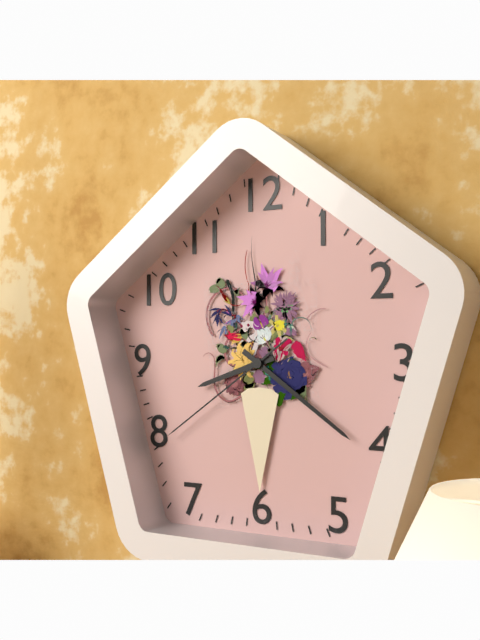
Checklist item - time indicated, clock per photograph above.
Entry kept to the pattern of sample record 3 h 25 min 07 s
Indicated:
8 h 21 min 39 s
